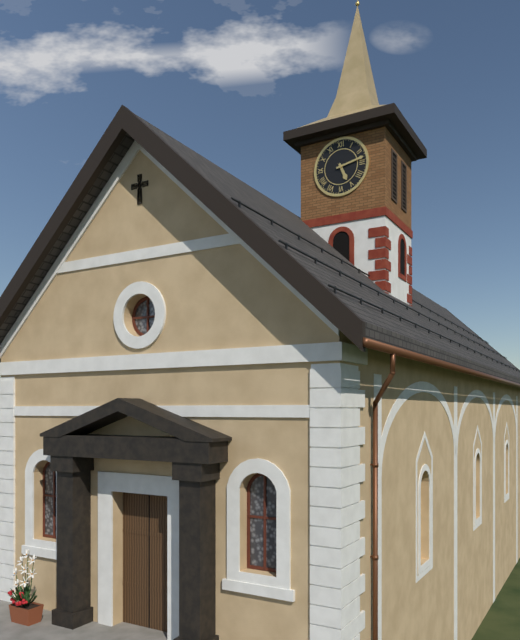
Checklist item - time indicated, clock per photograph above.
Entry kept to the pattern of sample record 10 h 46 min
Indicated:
5 h 13 min
